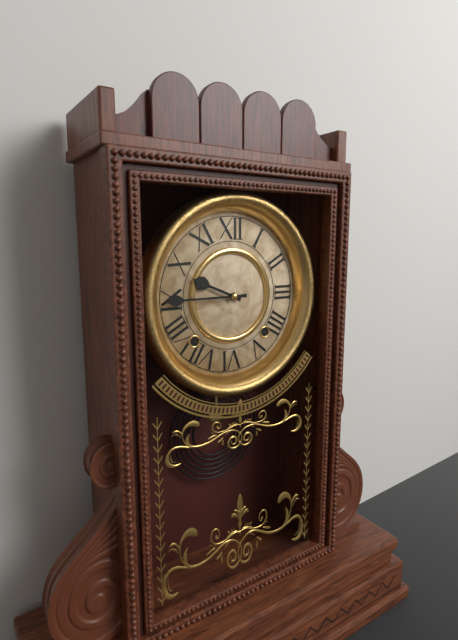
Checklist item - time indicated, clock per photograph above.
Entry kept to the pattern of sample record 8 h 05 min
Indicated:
9 h 45 min
